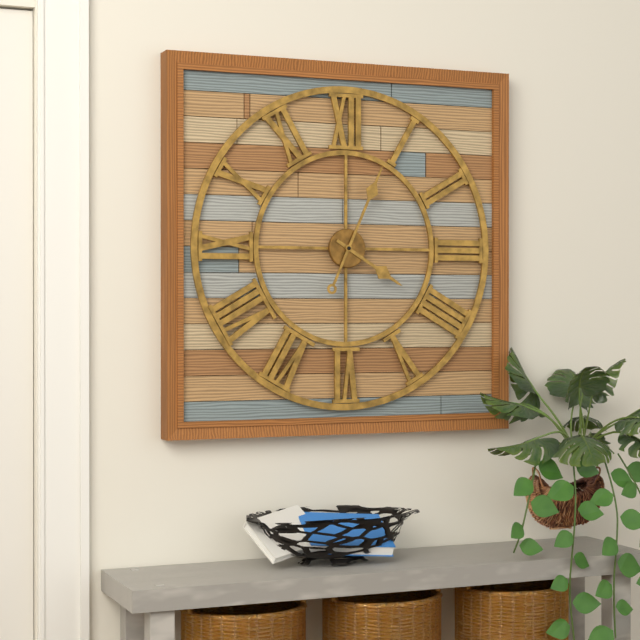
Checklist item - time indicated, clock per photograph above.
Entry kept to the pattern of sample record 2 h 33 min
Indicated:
4 h 04 min
